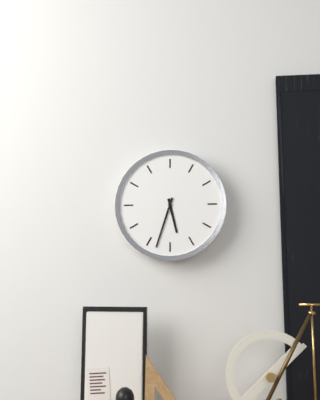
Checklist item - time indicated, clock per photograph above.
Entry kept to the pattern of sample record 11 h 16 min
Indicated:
5 h 33 min
